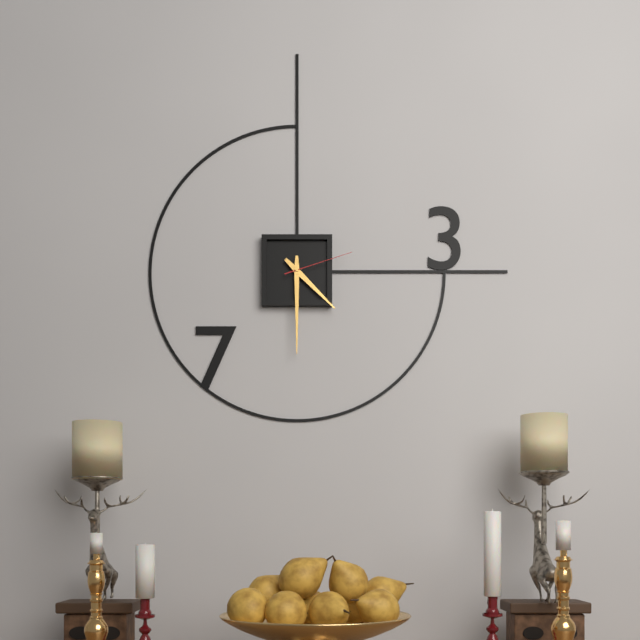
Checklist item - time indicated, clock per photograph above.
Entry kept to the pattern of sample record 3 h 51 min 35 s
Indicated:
4 h 30 min 12 s
